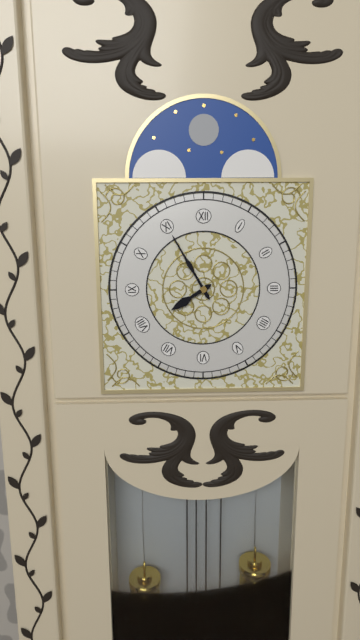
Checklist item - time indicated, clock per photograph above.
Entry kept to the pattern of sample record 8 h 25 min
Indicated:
7 h 55 min
